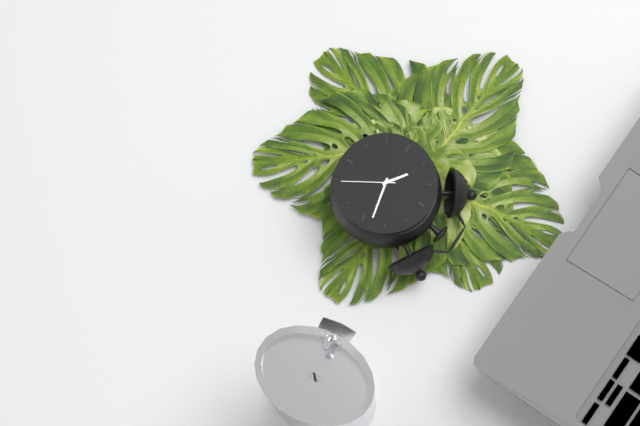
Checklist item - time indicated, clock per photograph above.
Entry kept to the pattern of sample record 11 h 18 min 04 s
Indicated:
10 h 13 min 25 s
